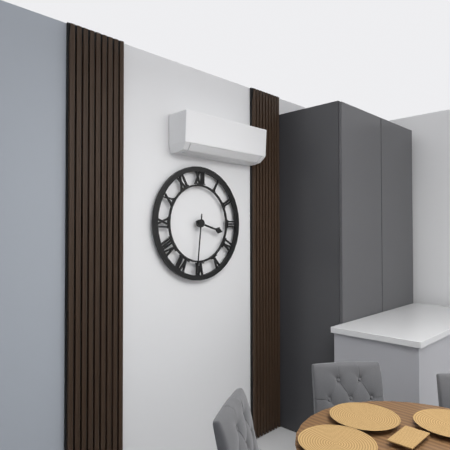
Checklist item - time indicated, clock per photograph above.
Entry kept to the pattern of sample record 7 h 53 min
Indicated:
3 h 31 min
